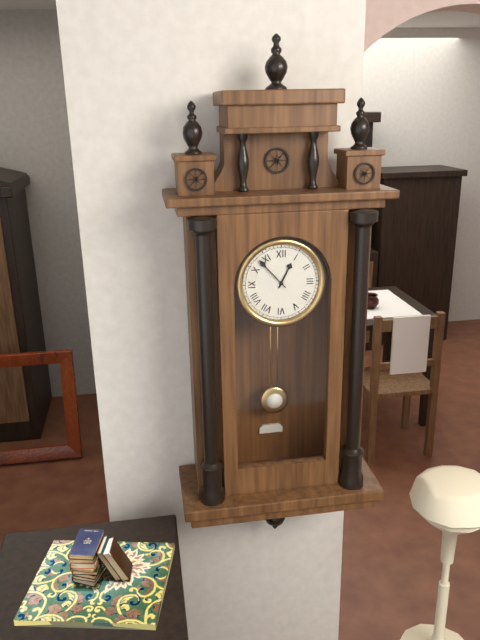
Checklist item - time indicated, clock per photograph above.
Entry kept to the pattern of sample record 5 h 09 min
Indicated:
12 h 53 min
